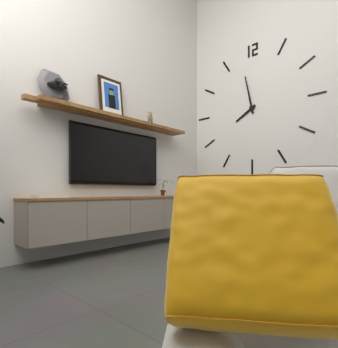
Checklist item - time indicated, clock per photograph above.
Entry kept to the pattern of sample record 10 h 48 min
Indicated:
7 h 58 min
